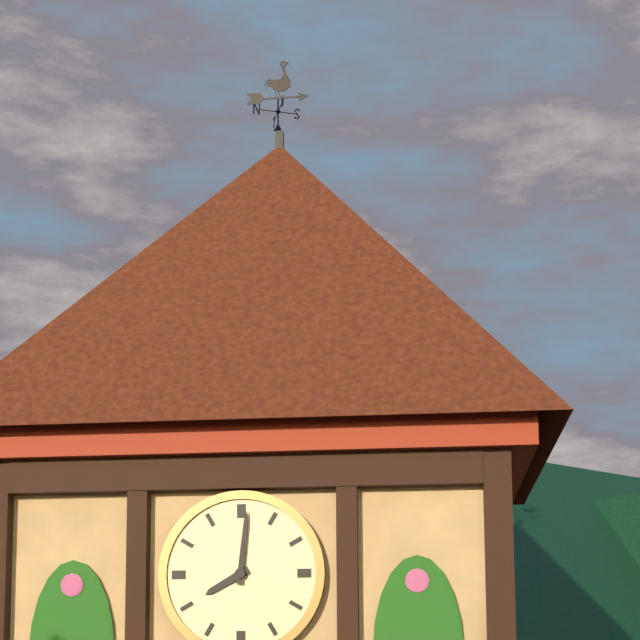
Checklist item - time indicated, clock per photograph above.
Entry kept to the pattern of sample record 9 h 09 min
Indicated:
8 h 01 min
